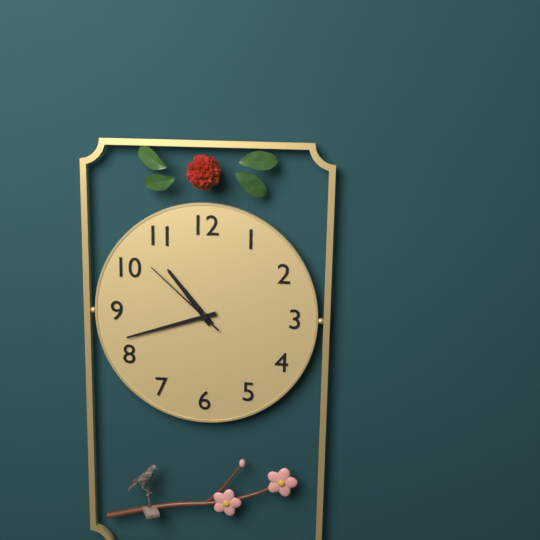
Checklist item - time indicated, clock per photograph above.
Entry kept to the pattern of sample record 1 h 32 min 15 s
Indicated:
10 h 42 min 52 s
